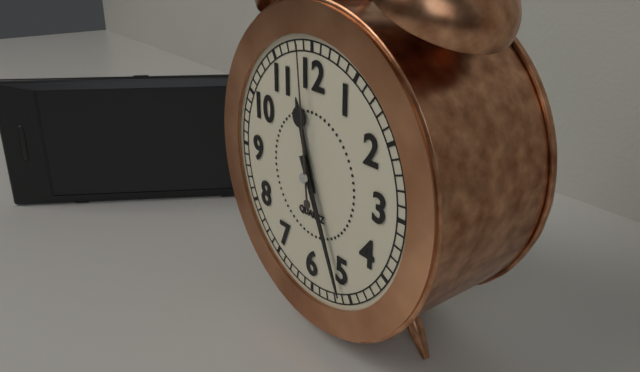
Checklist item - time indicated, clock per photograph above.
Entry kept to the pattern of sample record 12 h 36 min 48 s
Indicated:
11 h 26 min 59 s
